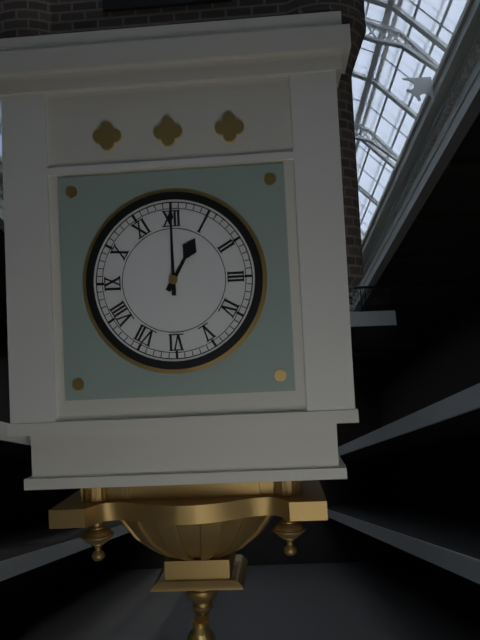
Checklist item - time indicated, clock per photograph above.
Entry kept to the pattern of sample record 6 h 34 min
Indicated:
1 h 00 min
